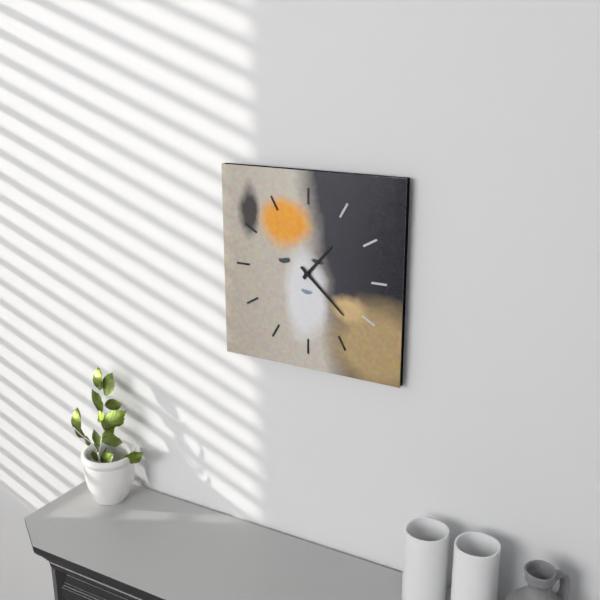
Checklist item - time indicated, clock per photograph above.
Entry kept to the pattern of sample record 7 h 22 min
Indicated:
1 h 22 min
